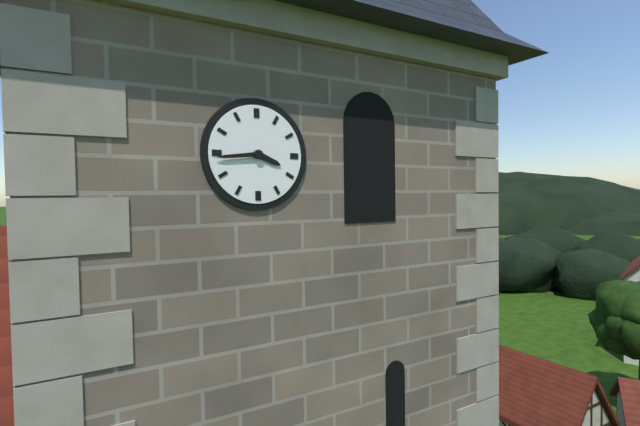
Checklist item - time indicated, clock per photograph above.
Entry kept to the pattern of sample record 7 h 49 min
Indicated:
3 h 44 min
